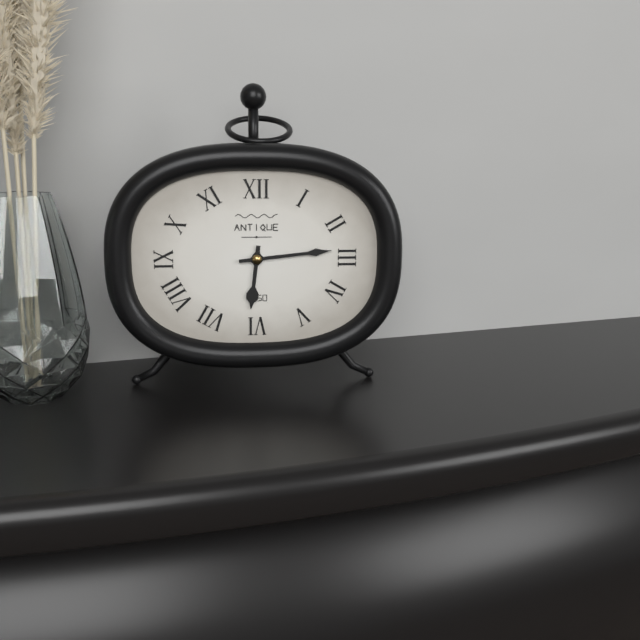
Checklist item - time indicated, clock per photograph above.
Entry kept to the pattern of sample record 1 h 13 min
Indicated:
6 h 14 min
